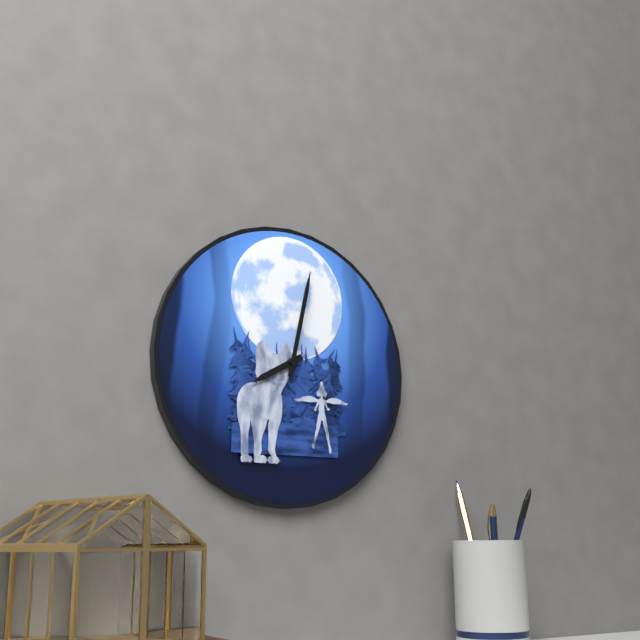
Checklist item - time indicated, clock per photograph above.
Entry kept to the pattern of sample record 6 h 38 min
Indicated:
8 h 02 min
